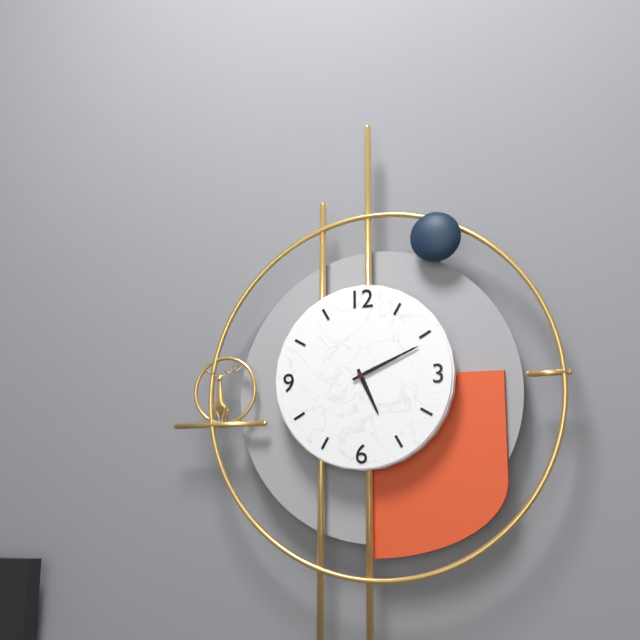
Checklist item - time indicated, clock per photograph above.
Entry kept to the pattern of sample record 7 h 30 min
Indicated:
5 h 11 min
